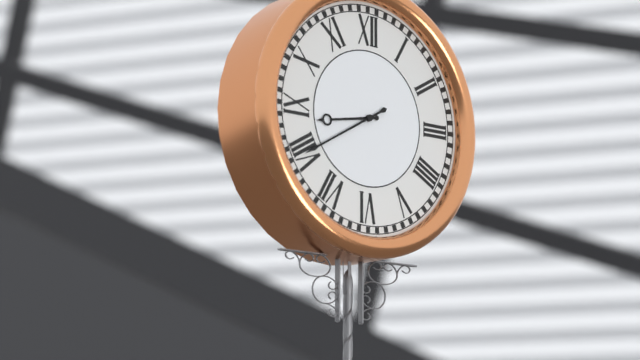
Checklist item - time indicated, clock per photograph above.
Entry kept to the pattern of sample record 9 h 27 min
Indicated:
8 h 40 min
